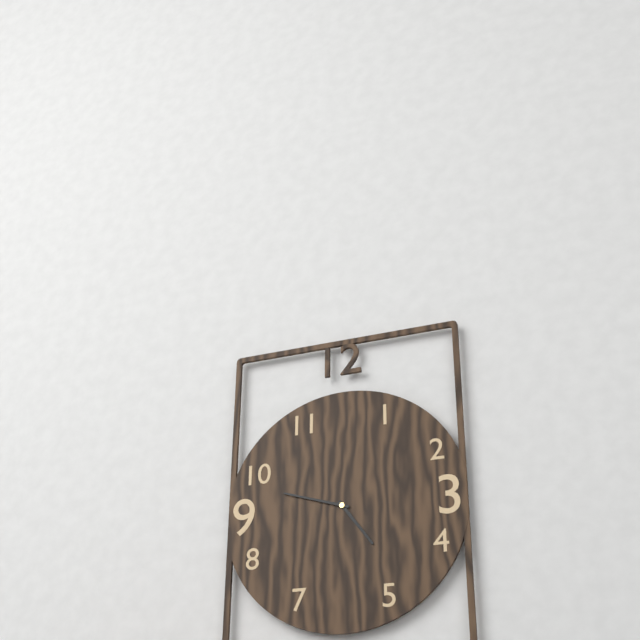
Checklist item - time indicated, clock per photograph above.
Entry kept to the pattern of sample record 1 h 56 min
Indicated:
4 h 48 min
